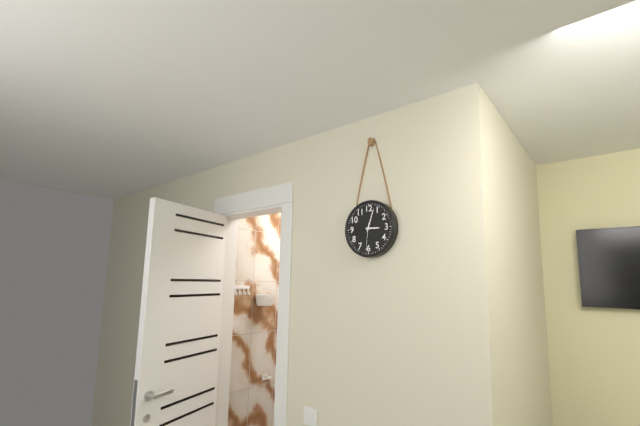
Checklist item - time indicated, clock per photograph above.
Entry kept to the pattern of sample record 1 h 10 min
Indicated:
3 h 03 min
